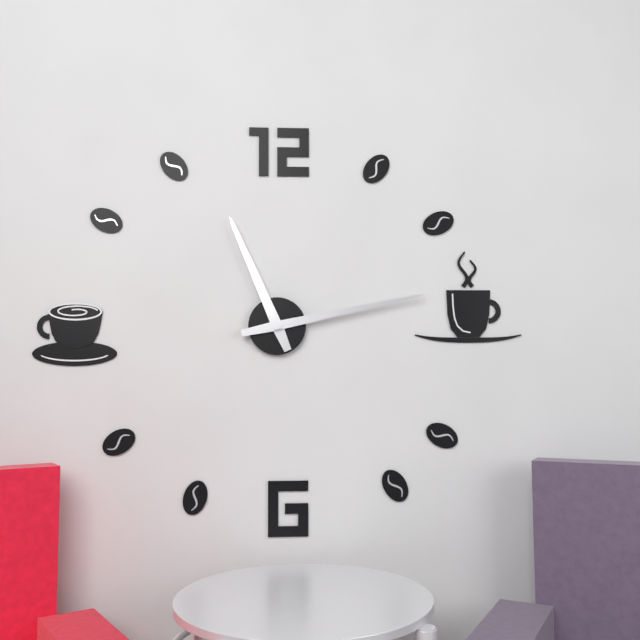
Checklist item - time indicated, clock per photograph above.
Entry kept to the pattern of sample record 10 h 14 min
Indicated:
11 h 13 min
